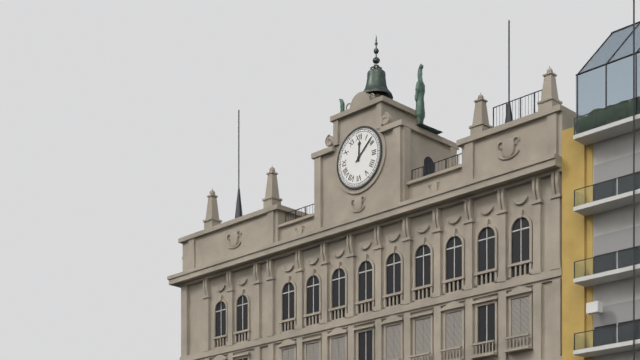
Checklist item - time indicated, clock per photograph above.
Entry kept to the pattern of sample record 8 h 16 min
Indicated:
12 h 08 min
